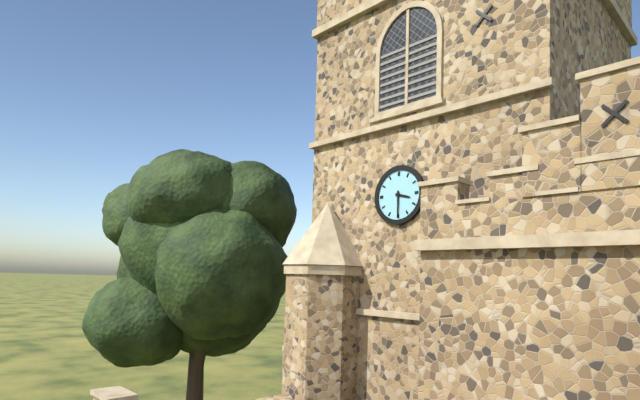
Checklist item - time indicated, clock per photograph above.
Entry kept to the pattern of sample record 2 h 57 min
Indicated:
3 h 30 min
